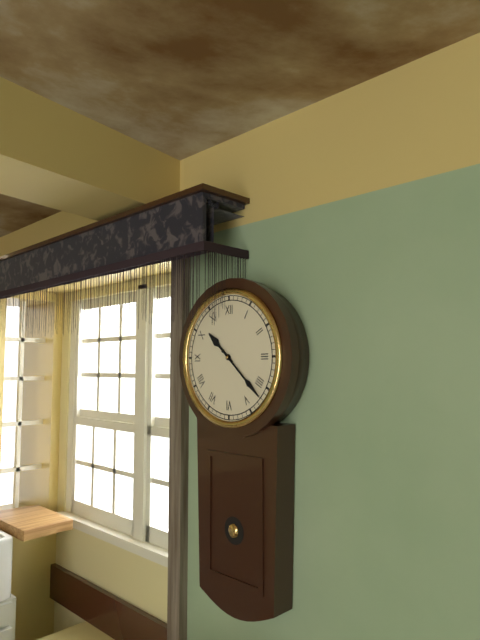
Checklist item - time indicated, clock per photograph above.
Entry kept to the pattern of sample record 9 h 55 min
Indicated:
10 h 22 min
